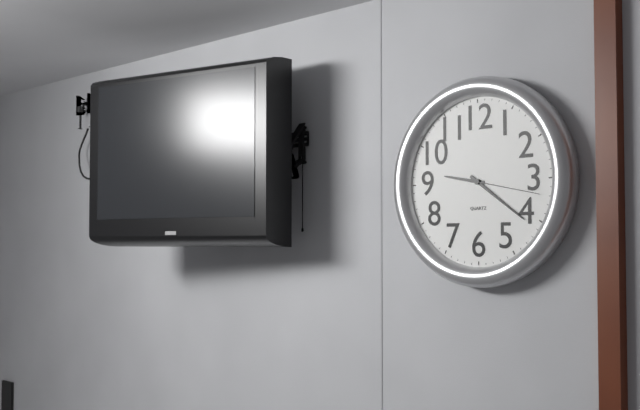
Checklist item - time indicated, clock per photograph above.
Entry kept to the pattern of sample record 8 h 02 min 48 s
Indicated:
9 h 21 min 17 s
